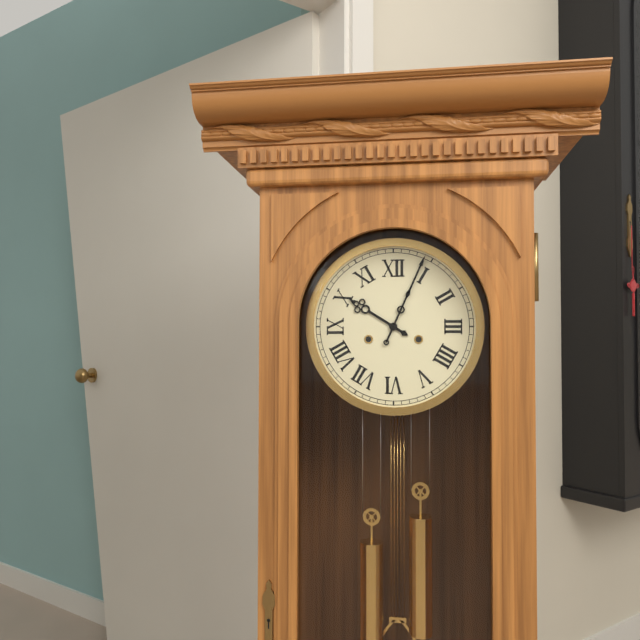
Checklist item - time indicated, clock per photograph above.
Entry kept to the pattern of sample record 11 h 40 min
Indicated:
10 h 04 min
